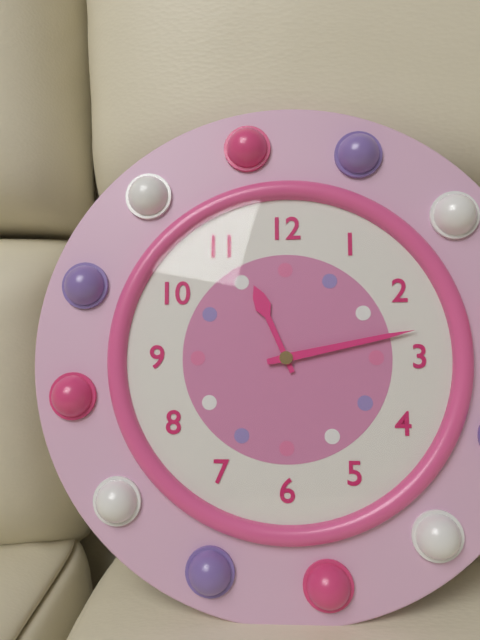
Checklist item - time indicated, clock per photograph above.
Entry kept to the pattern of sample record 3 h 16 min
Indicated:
11 h 13 min
